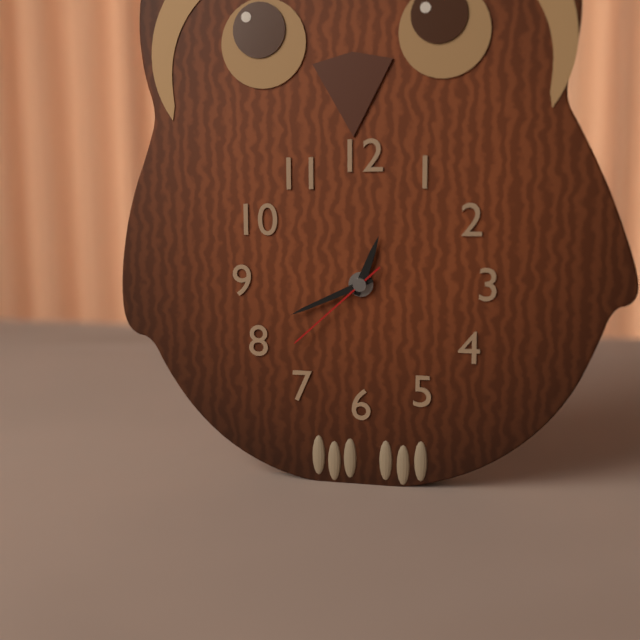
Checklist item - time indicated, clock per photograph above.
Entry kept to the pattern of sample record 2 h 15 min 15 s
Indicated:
12 h 41 min 38 s
